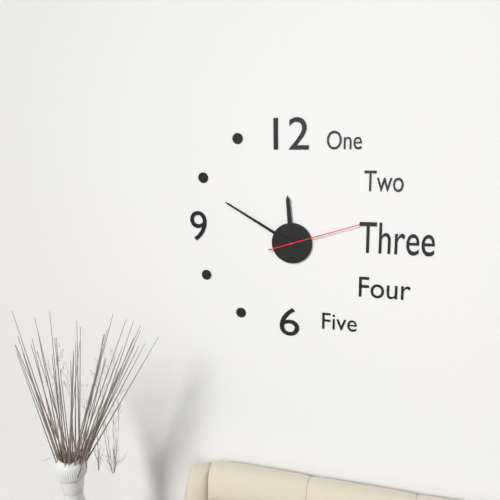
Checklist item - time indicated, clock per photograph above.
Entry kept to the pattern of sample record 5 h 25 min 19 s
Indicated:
11 h 50 min 12 s
